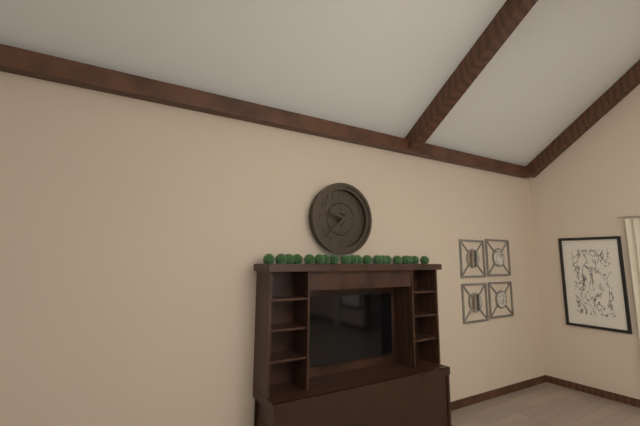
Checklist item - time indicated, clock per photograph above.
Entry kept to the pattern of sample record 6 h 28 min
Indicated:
9 h 38 min
